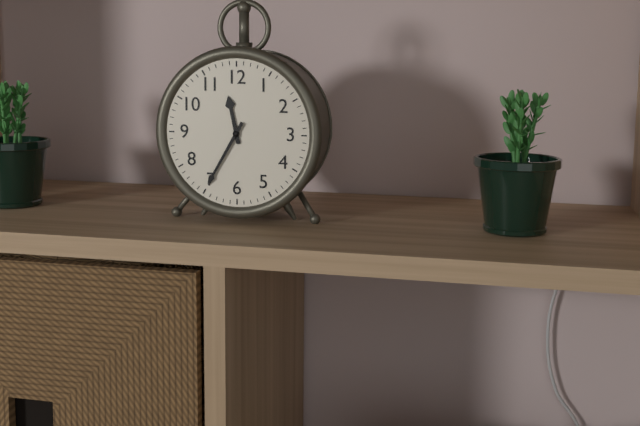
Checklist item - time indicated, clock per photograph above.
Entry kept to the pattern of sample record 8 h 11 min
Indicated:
11 h 35 min
